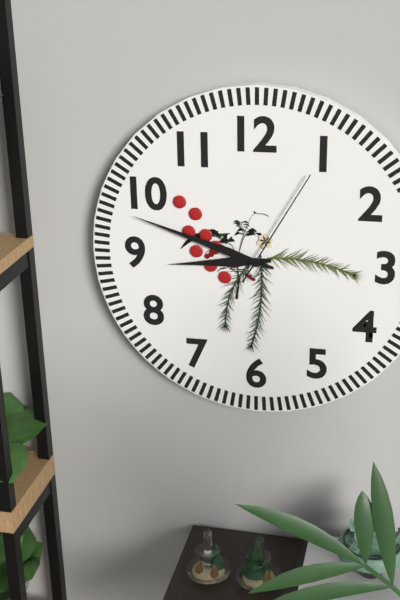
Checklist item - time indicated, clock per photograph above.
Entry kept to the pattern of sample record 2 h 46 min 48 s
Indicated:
8 h 48 min 05 s
